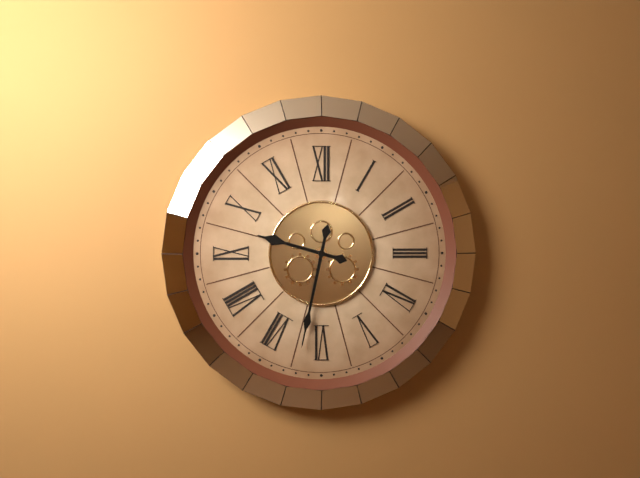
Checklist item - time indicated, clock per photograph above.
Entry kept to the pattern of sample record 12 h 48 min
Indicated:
9 h 32 min
